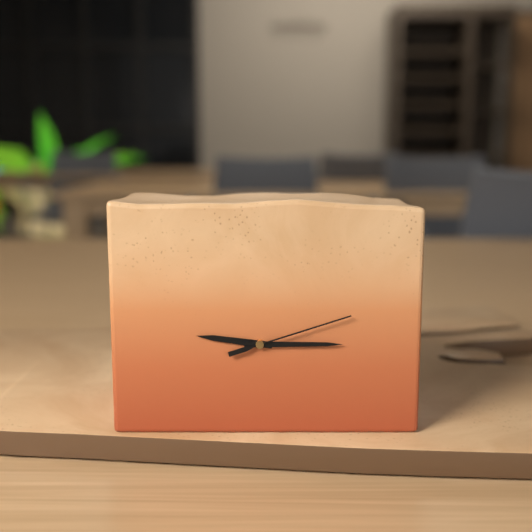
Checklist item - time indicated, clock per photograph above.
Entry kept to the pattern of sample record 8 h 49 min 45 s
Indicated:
9 h 15 min 12 s
